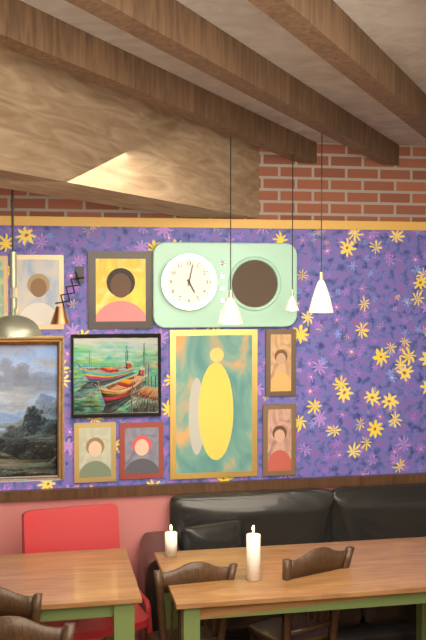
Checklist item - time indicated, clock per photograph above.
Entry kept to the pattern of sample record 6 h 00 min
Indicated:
5 h 02 min
